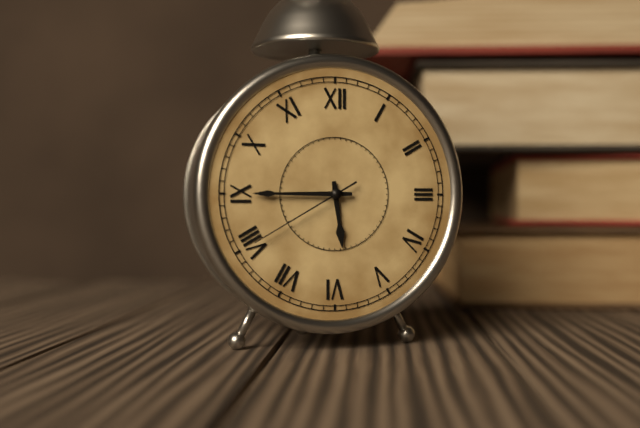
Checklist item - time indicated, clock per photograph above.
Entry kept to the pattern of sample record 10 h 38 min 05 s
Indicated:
5 h 45 min 40 s
